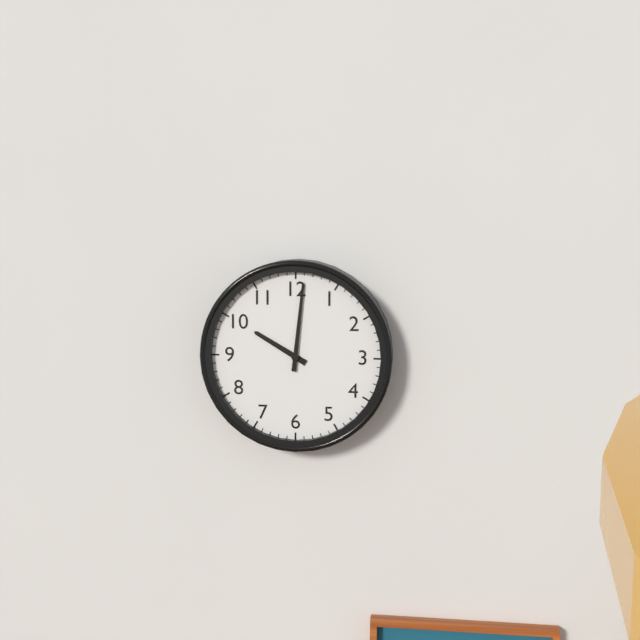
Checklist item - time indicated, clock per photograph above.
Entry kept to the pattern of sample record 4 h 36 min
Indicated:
10 h 01 min
